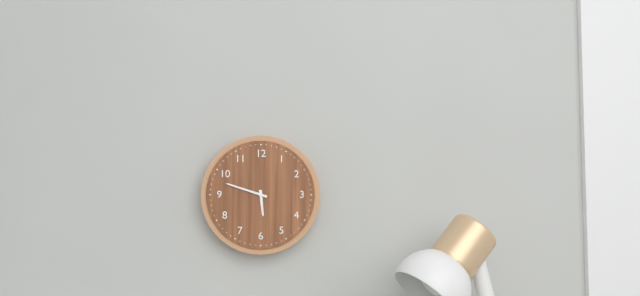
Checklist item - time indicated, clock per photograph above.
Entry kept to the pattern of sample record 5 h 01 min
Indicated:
5 h 48 min
